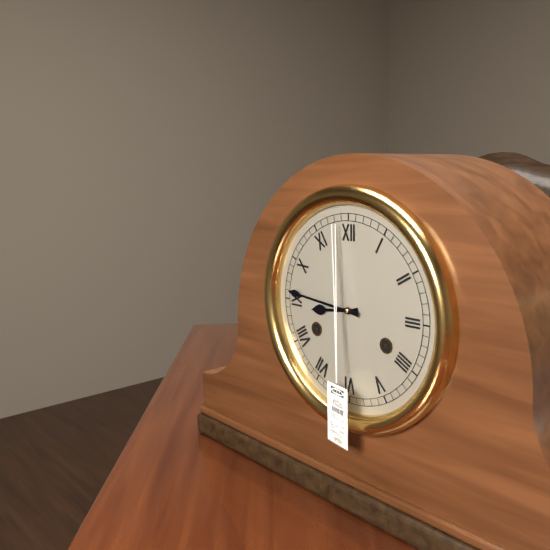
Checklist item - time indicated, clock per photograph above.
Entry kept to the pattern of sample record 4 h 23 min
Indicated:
8 h 46 min
